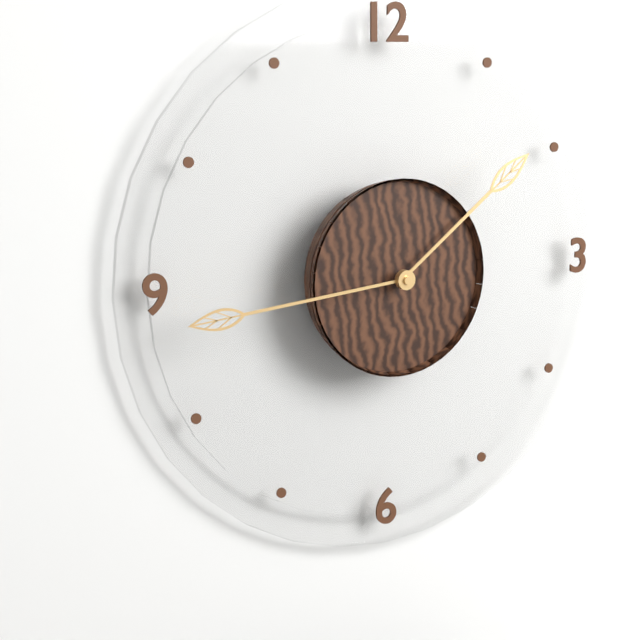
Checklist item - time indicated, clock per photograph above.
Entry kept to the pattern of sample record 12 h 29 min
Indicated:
1 h 44 min
